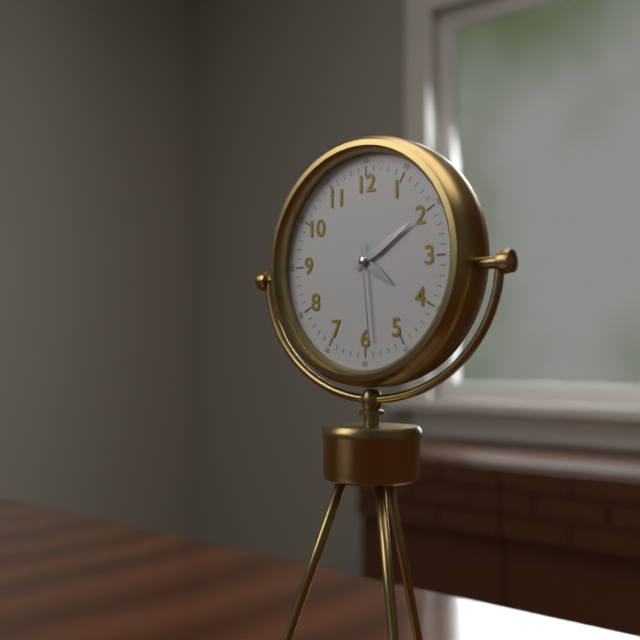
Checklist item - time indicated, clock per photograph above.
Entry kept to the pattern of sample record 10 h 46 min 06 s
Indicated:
4 h 10 min 29 s
